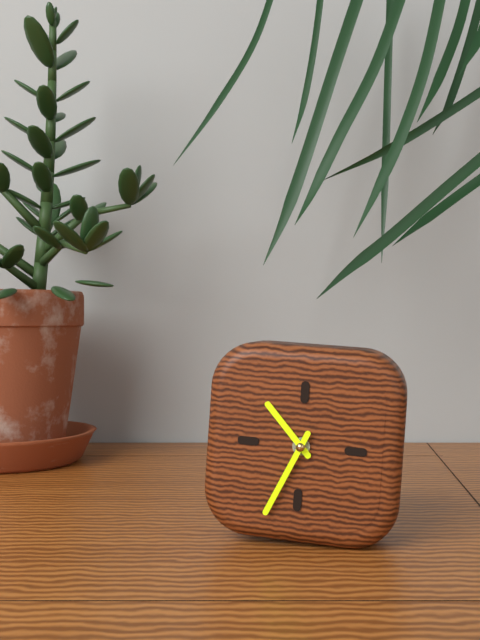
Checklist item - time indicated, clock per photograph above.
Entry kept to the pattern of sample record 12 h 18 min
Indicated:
10 h 34 min
